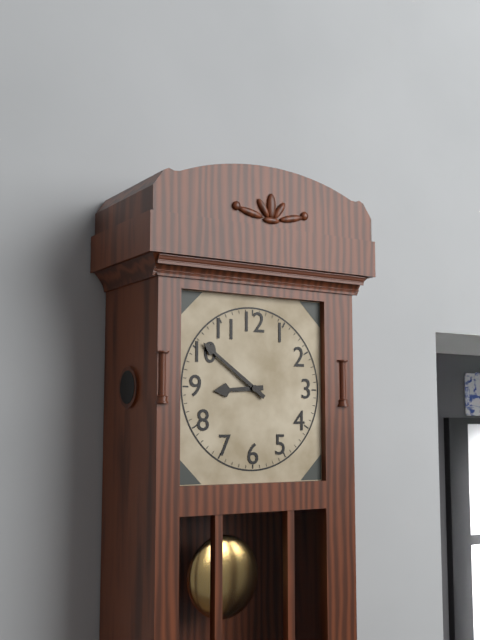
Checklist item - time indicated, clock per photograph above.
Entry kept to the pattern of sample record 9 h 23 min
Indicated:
8 h 51 min
